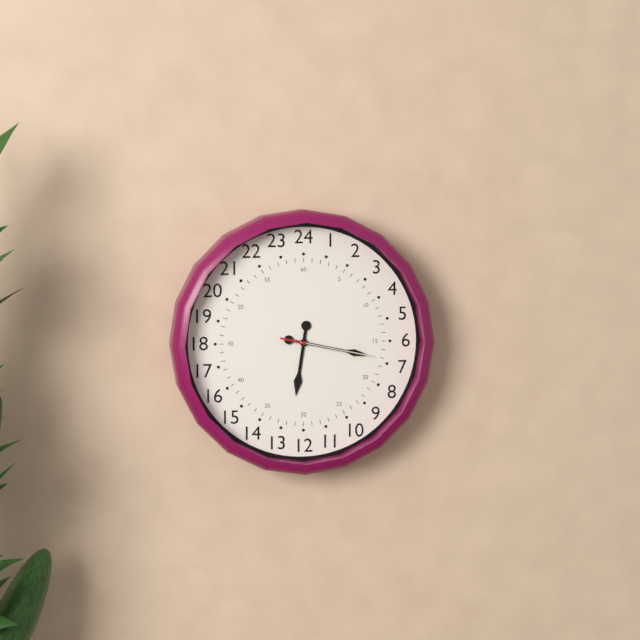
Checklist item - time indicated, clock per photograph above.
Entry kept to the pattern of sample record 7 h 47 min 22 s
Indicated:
6 h 17 min 17 s
